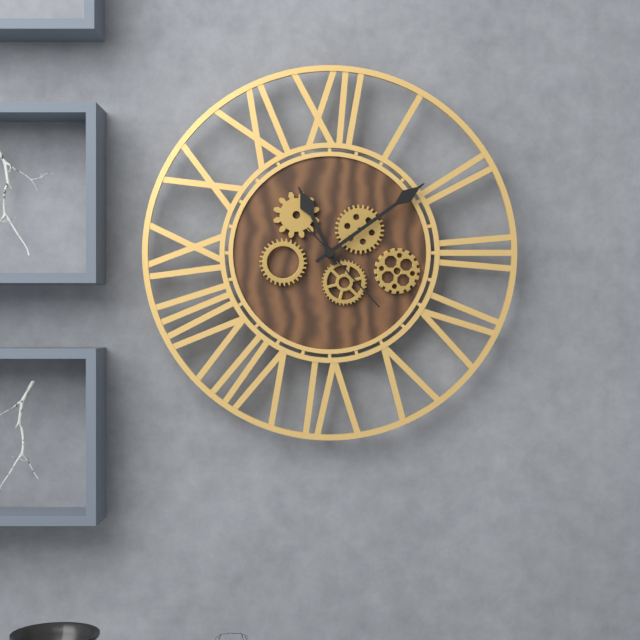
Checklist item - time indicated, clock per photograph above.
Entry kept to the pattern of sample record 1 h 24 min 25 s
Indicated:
11 h 09 min 23 s
